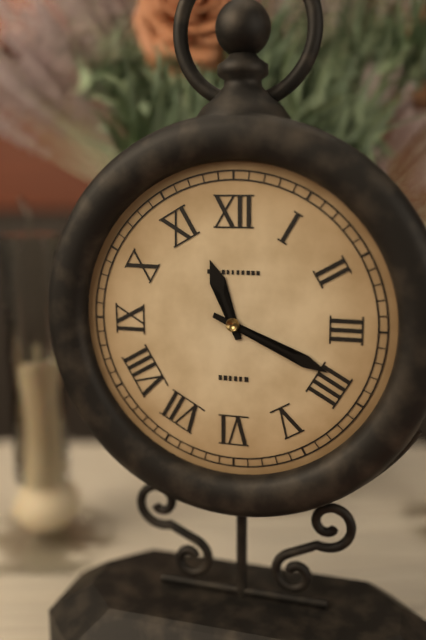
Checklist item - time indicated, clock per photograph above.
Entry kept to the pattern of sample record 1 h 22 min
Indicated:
11 h 19 min
